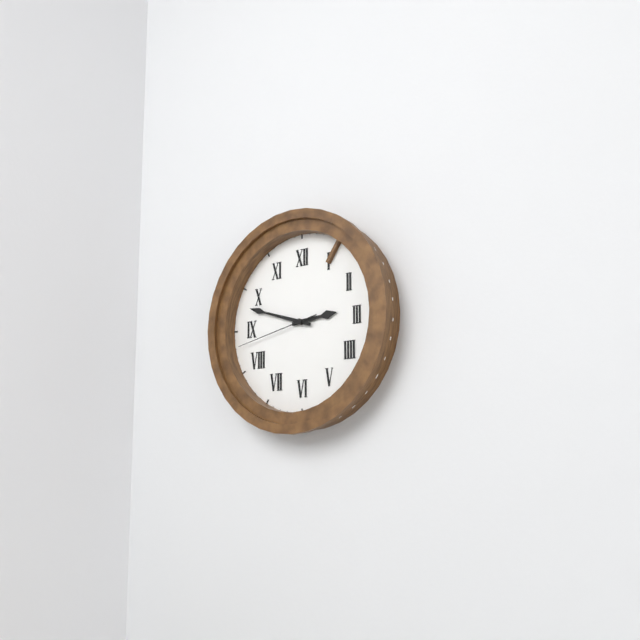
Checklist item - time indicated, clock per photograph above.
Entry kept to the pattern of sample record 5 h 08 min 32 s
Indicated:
2 h 48 min 43 s
